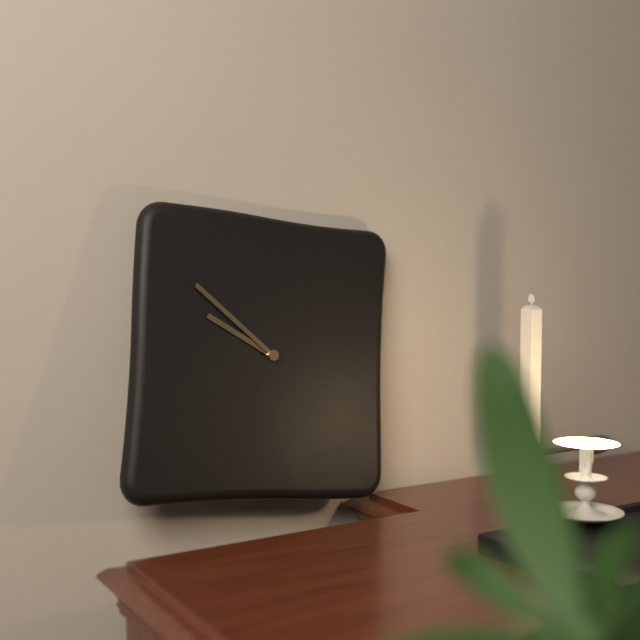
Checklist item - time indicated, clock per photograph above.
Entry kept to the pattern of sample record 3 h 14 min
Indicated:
9 h 51 min
